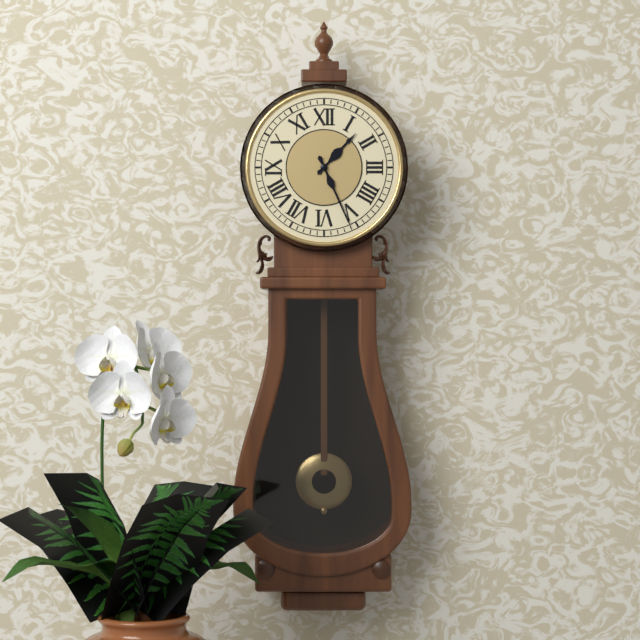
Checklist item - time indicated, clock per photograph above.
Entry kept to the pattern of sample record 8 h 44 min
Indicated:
1 h 26 min
